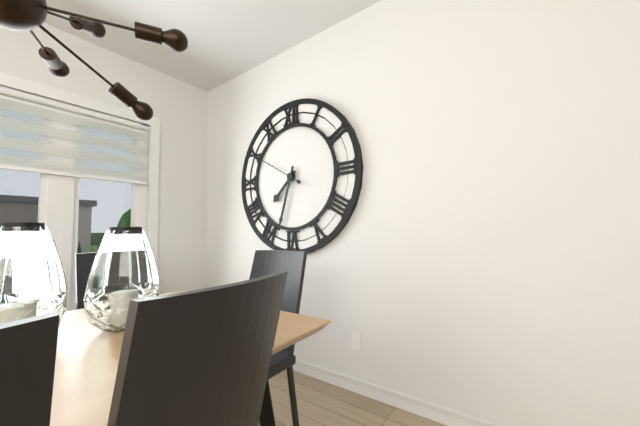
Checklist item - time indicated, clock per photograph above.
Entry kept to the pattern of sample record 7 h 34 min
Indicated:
7 h 33 min
